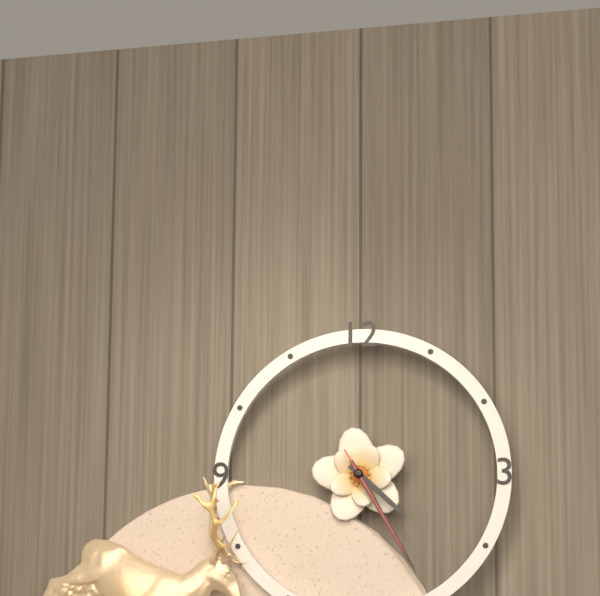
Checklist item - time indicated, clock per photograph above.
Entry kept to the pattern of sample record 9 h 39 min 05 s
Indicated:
4 h 25 min 25 s
